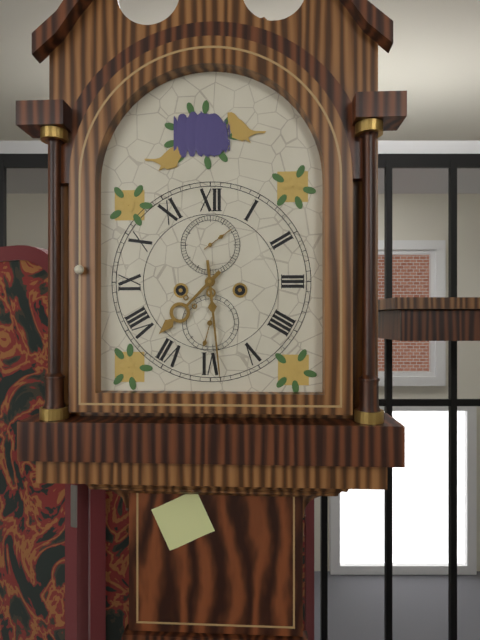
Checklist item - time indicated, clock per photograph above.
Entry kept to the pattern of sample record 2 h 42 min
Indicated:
7 h 29 min
